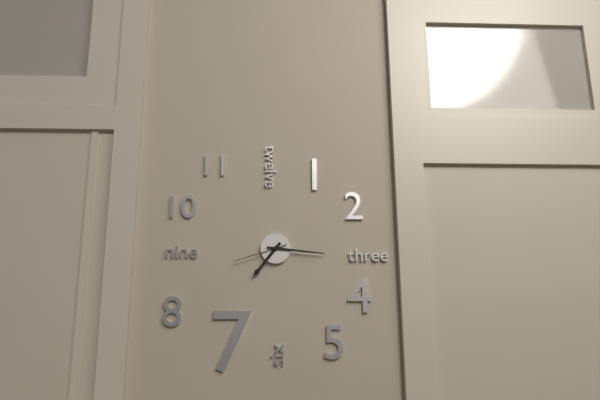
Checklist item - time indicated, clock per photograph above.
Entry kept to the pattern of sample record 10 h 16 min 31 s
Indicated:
7 h 16 min 42 s
